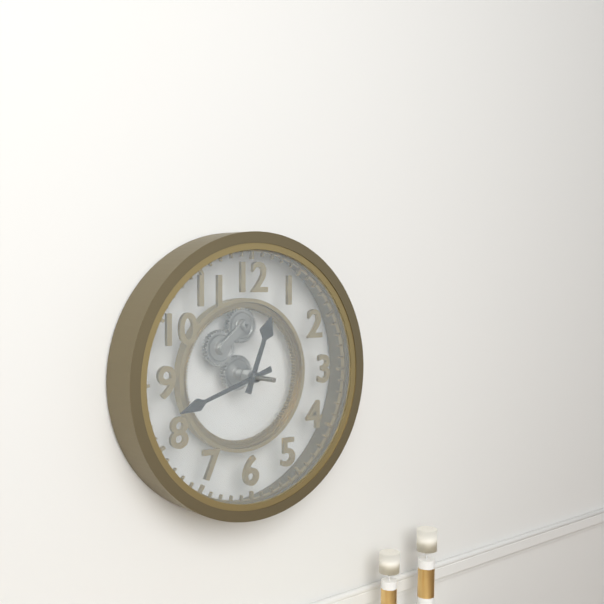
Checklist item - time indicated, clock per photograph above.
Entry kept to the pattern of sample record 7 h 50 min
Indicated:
12 h 42 min
